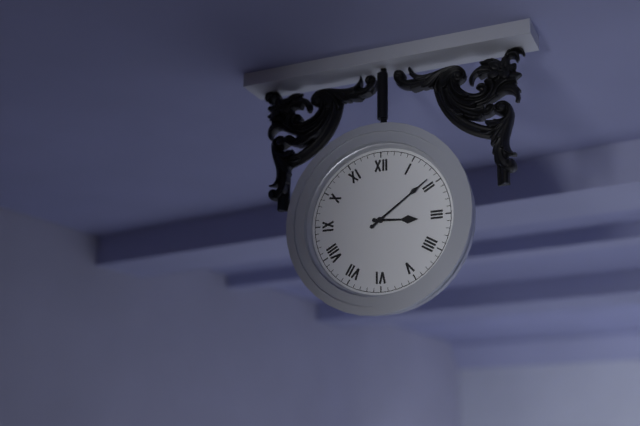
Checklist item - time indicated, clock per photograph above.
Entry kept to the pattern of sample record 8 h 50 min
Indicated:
3 h 09 min
